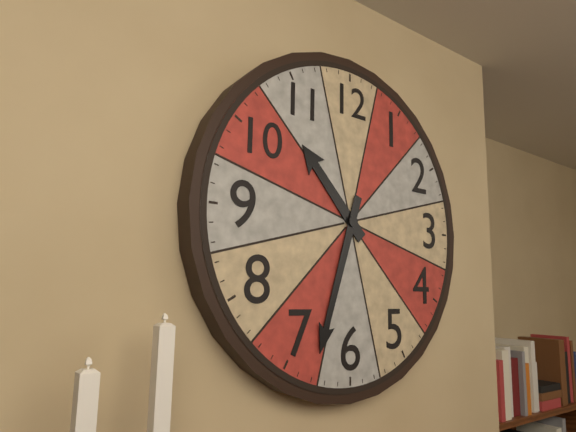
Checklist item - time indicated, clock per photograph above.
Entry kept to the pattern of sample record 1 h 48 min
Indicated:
10 h 33 min
